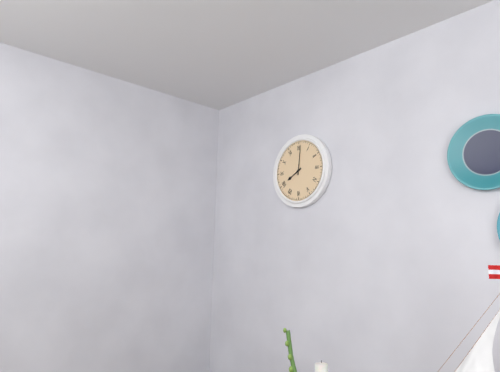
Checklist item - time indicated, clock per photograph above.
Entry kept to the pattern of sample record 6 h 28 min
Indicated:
8 h 01 min
